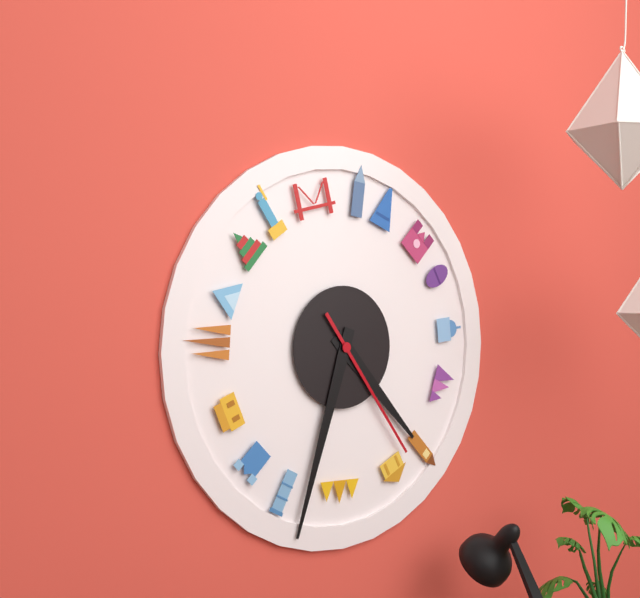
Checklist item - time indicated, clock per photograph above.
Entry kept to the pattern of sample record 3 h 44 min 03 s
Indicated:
4 h 33 min 24 s
